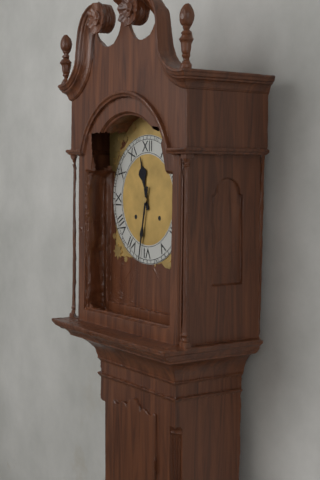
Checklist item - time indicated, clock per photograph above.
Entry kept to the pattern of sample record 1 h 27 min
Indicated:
11 h 32 min
